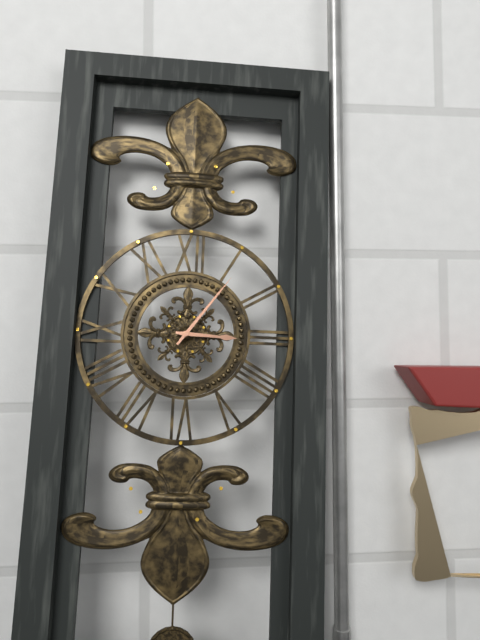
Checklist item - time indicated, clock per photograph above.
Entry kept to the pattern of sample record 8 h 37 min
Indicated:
3 h 06 min
